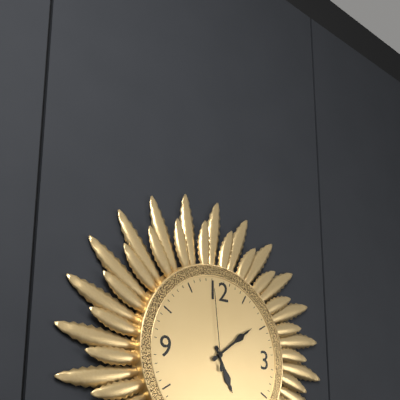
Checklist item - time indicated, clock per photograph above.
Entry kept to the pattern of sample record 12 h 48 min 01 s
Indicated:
5 h 09 min 59 s
